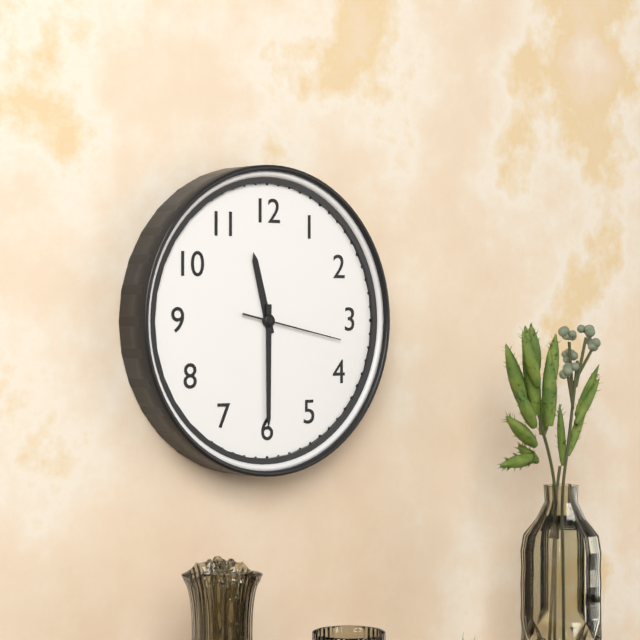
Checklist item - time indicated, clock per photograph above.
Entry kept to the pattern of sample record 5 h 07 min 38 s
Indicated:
11 h 30 min 17 s
